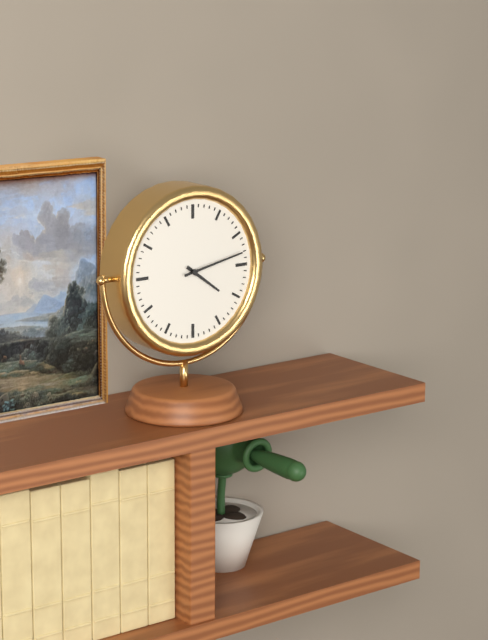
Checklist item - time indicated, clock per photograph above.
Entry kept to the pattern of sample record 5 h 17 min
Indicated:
4 h 13 min
